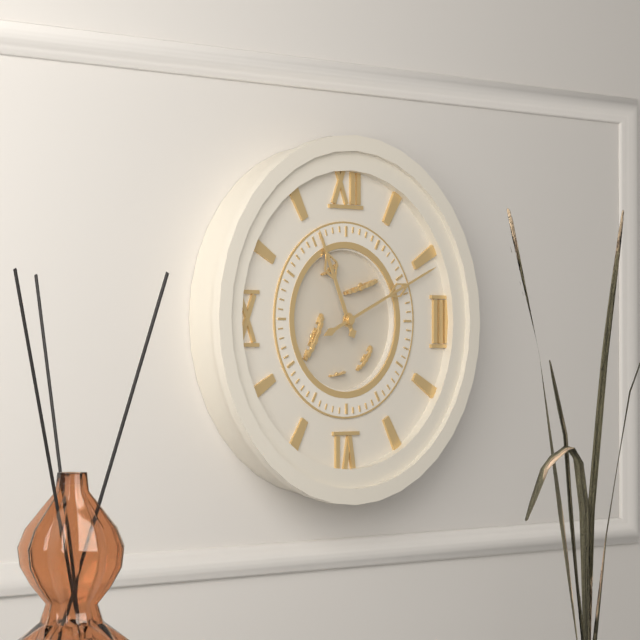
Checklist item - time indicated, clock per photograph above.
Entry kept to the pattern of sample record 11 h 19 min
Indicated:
11 h 11 min
